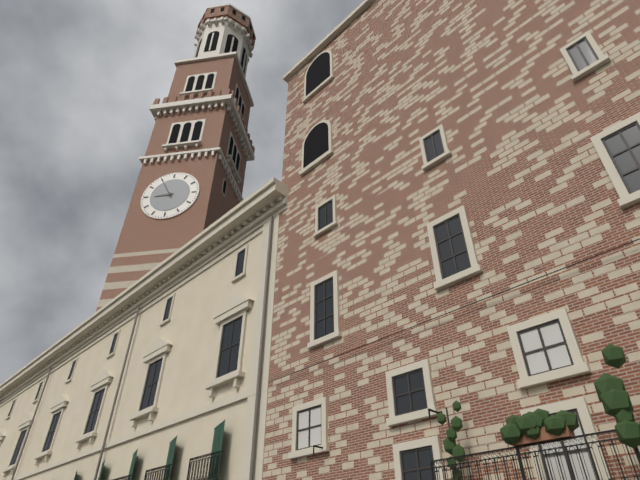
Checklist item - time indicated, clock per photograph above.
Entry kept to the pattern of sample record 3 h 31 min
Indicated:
8 h 55 min
